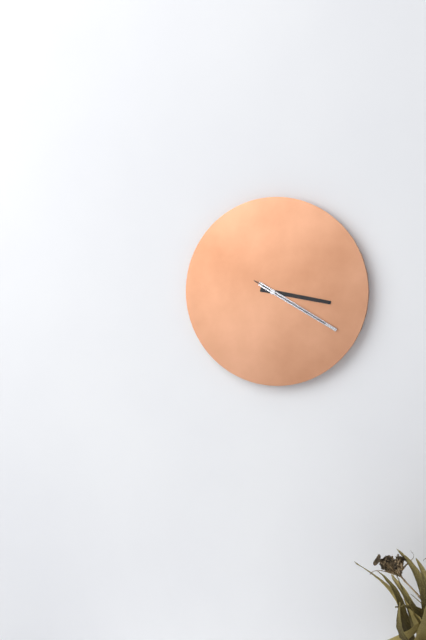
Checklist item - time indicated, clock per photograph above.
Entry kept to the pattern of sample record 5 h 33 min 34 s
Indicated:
3 h 20 min 20 s
